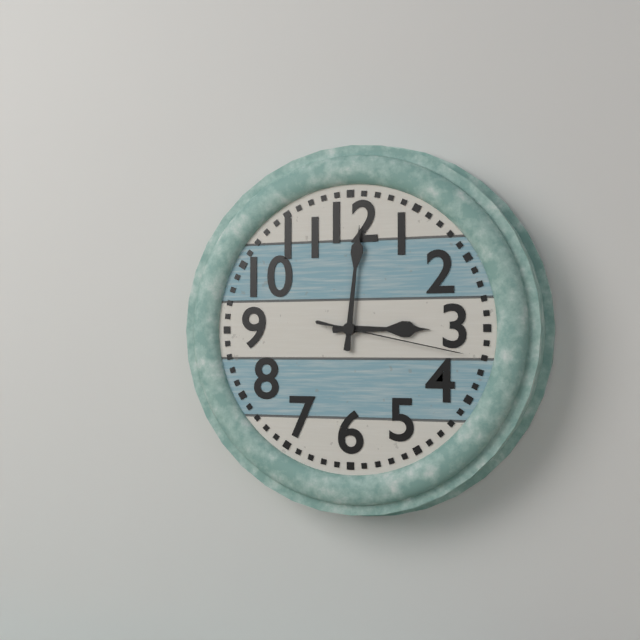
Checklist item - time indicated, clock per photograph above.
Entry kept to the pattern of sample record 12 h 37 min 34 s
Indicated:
3 h 01 min 17 s
